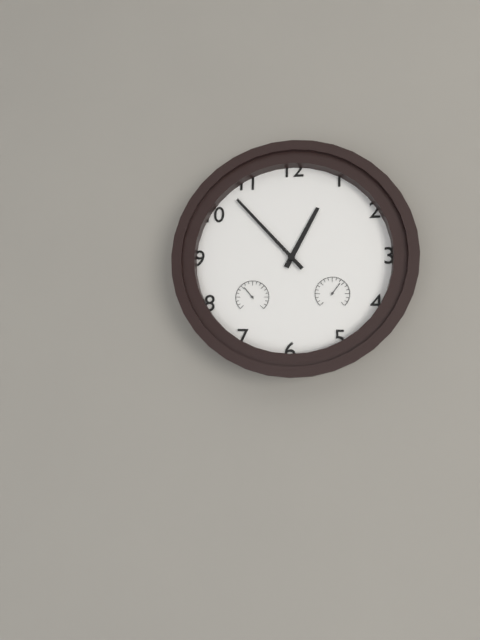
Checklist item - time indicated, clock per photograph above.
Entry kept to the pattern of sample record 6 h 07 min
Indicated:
12 h 53 min
